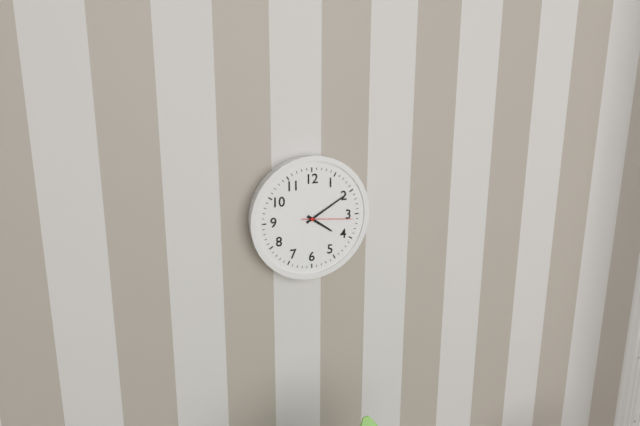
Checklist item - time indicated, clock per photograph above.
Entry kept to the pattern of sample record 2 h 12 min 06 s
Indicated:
4 h 10 min 16 s
